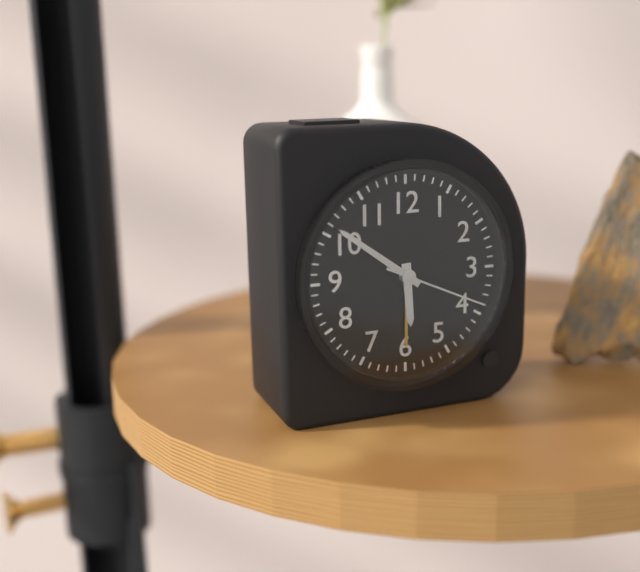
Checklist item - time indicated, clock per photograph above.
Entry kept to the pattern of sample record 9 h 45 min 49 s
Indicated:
5 h 51 min 19 s
